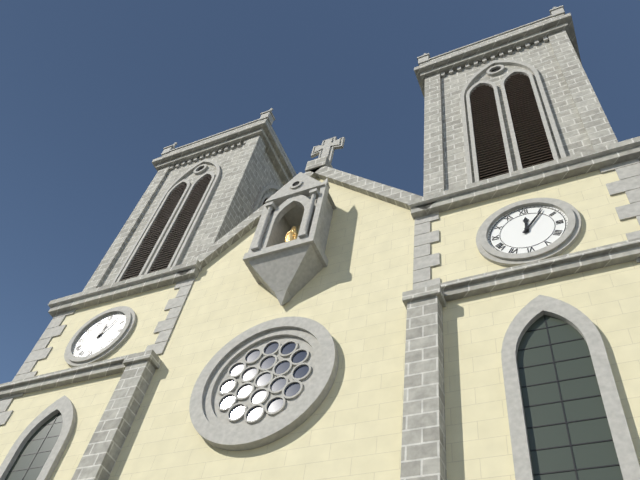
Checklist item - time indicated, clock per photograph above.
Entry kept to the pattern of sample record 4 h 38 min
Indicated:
12 h 06 min
